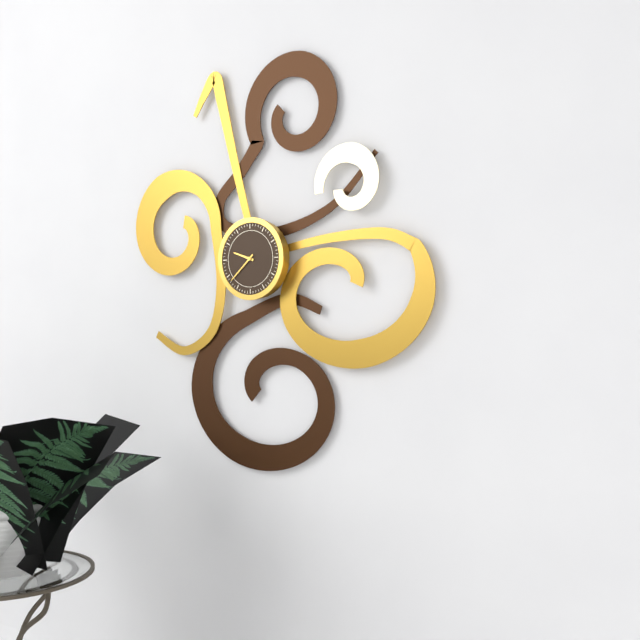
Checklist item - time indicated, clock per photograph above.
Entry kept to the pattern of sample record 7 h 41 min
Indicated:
9 h 38 min
